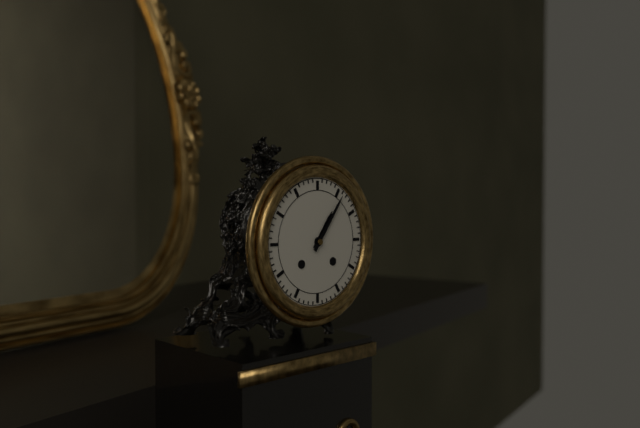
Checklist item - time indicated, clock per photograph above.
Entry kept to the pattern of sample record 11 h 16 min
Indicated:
1 h 06 min
